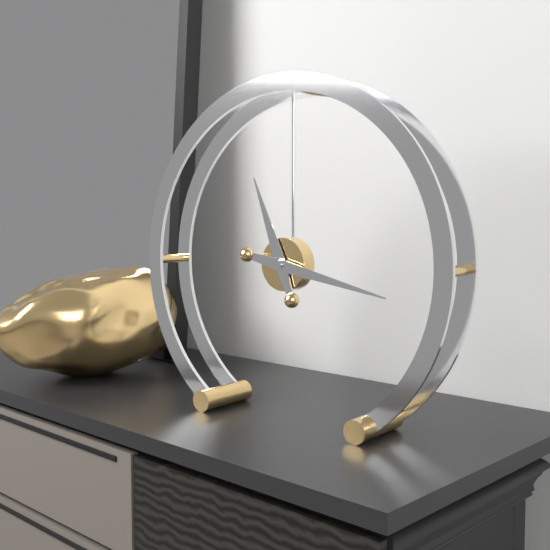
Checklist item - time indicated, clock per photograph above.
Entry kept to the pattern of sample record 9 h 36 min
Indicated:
11 h 17 min
